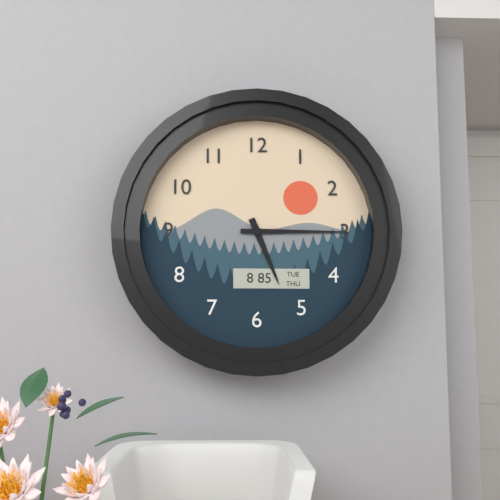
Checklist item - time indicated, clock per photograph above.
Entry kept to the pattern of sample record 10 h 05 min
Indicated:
5 h 15 min
